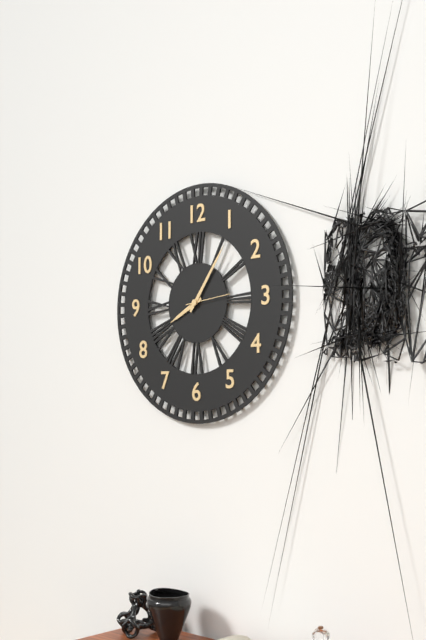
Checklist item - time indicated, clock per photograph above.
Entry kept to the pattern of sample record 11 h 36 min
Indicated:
8 h 06 min
